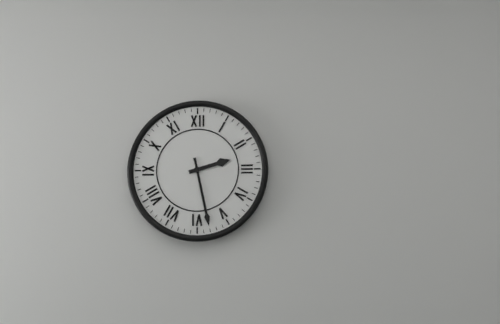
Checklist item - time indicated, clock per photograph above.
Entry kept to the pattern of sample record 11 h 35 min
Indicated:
2 h 28 min
